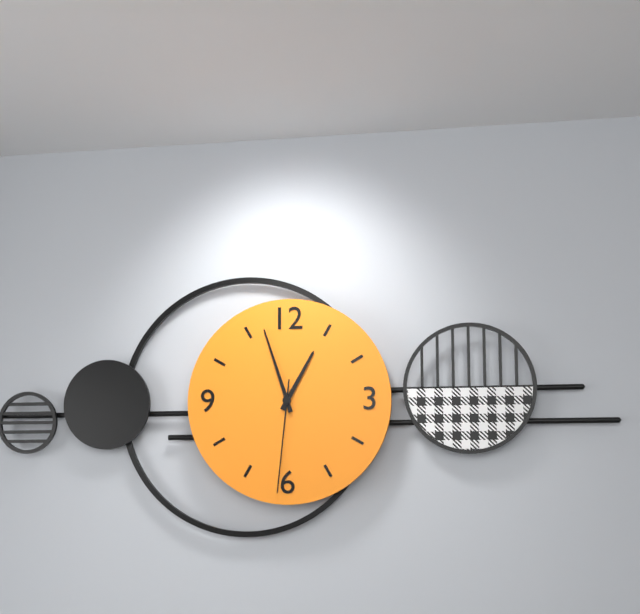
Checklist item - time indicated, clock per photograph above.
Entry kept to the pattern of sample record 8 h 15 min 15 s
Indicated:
12 h 57 min 31 s
